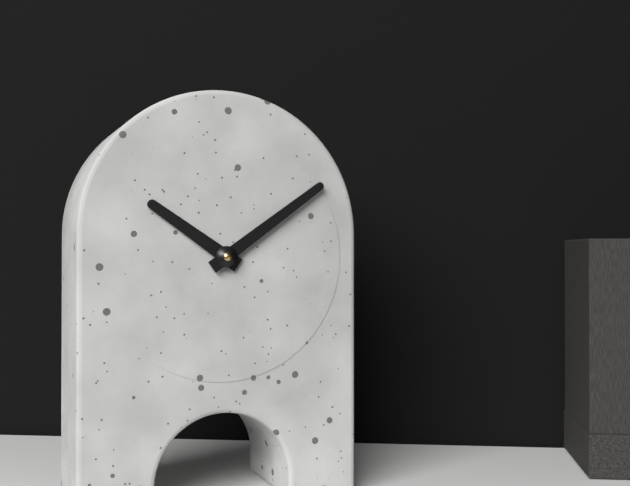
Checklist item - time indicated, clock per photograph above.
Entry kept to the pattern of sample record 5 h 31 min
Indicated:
10 h 09 min
